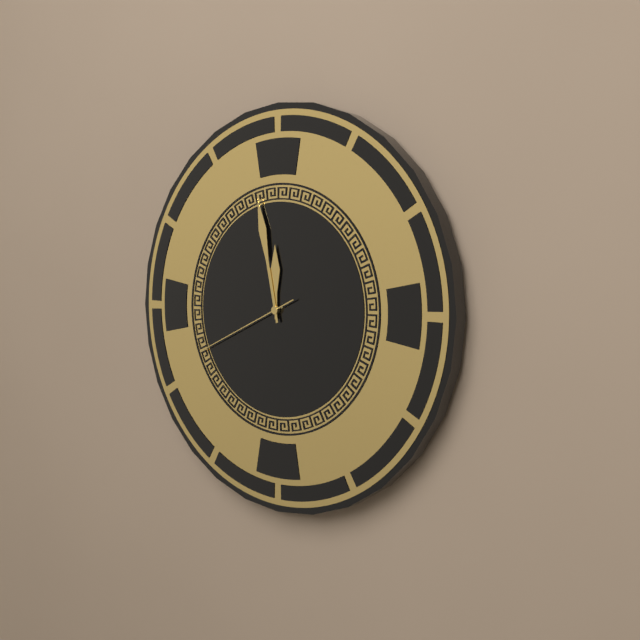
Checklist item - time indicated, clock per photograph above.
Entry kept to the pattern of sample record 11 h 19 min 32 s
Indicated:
11 h 58 min 41 s
